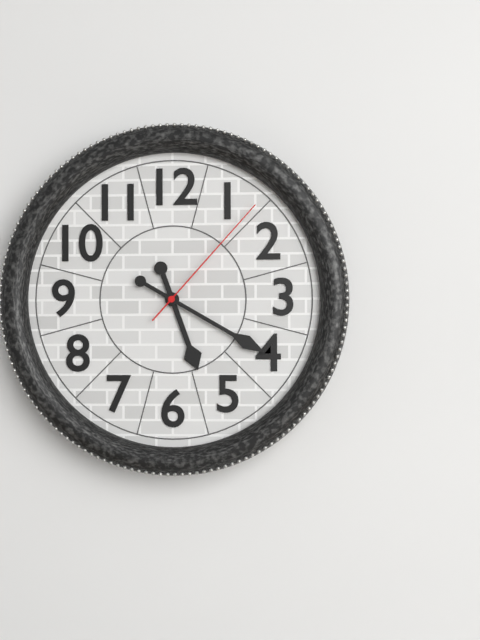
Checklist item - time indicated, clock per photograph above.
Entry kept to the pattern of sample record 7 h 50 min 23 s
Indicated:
5 h 20 min 07 s
